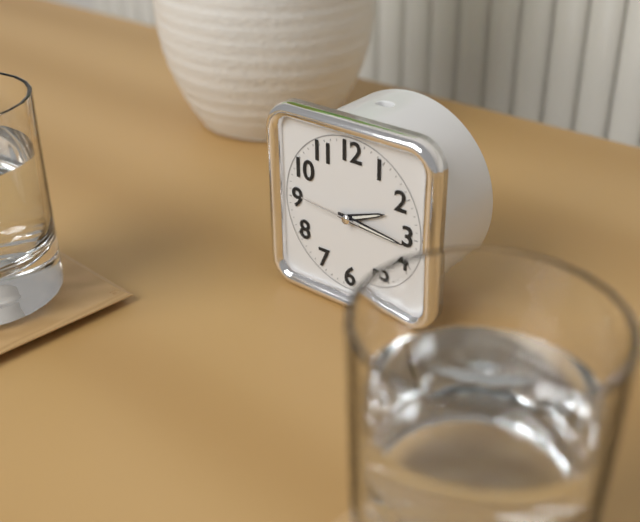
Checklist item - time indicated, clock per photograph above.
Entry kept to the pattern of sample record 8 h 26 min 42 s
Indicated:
2 h 16 min 46 s
